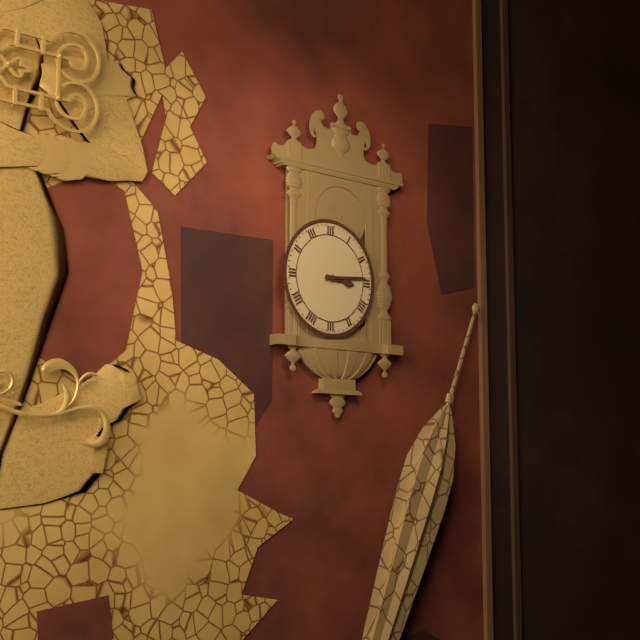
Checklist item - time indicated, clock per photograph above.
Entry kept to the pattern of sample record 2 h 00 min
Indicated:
3 h 14 min
